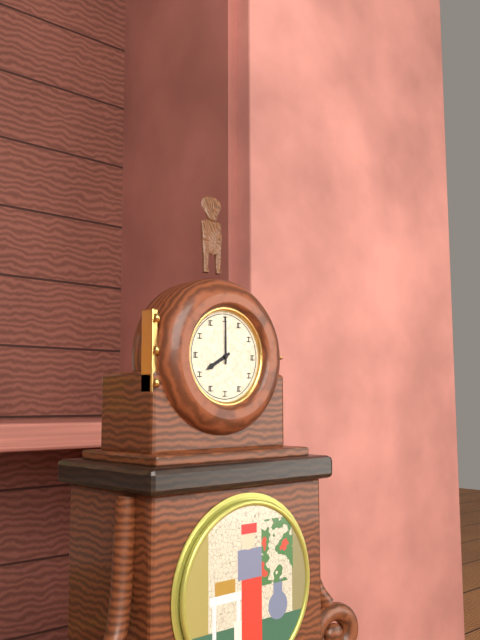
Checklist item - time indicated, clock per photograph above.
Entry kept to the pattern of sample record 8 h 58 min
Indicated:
8 h 00 min
